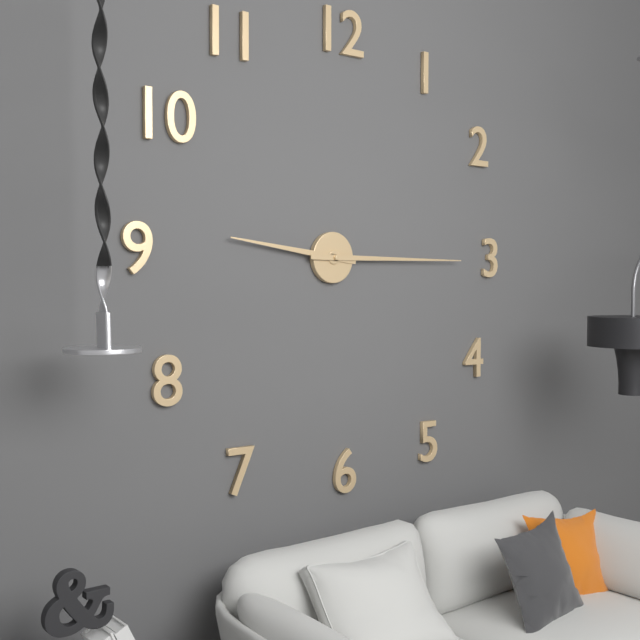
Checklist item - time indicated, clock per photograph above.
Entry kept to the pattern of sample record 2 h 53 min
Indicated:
9 h 15 min
